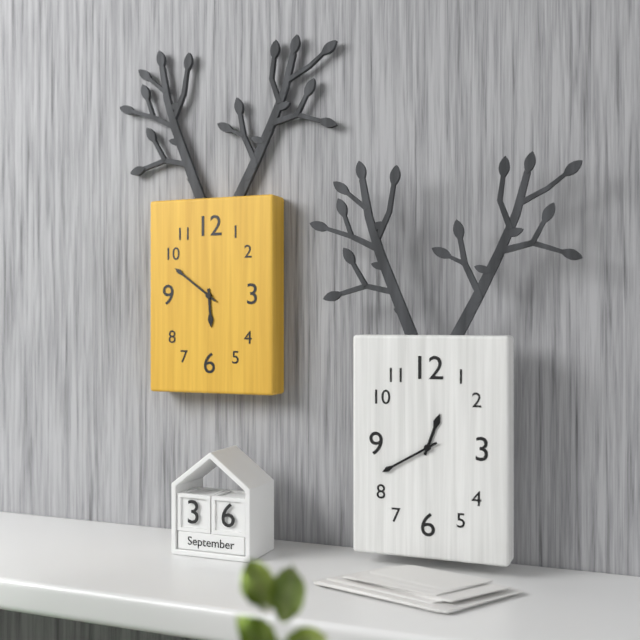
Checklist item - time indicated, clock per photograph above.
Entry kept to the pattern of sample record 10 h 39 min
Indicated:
5 h 51 min
